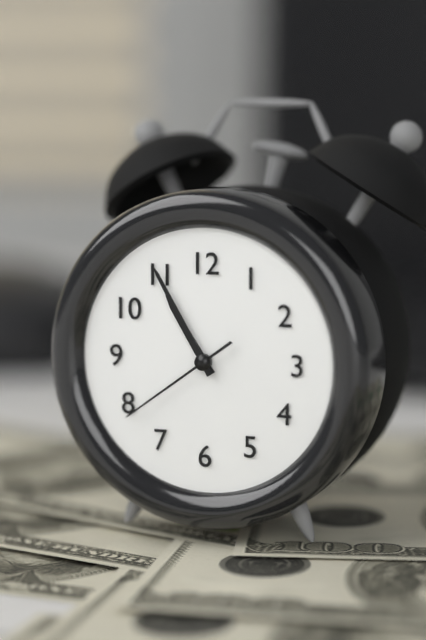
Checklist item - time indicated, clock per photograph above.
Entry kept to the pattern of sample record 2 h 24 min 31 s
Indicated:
10 h 55 min 39 s
